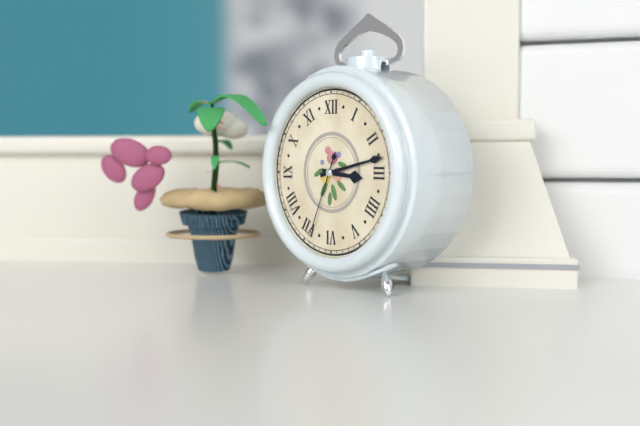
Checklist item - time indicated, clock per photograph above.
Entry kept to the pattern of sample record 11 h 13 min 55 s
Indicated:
3 h 13 min 34 s
